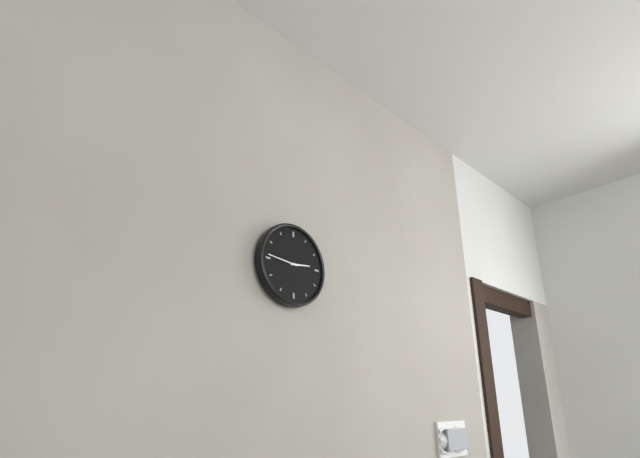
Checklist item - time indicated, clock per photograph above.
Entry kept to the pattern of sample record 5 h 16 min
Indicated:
2 h 46 min
